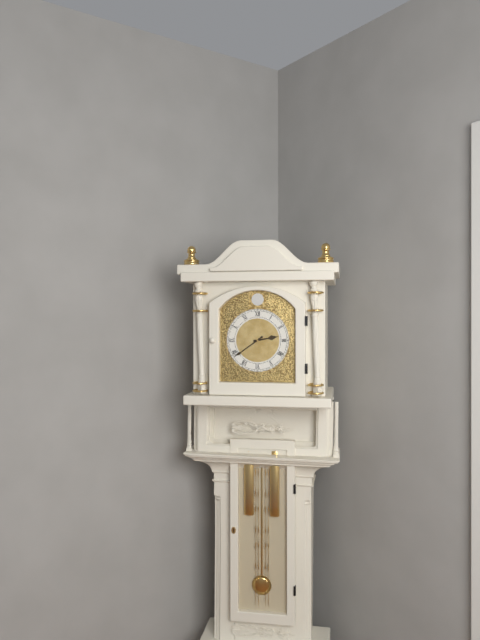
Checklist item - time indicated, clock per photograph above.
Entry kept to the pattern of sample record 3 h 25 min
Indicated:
2 h 39 min
